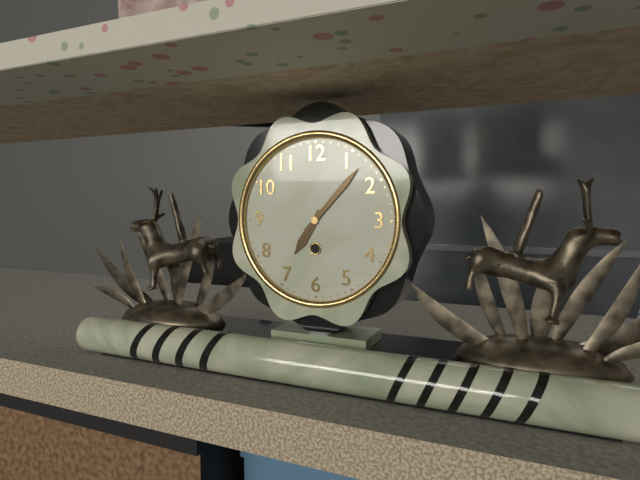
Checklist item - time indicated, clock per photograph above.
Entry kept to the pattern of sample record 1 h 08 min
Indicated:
7 h 07 min
